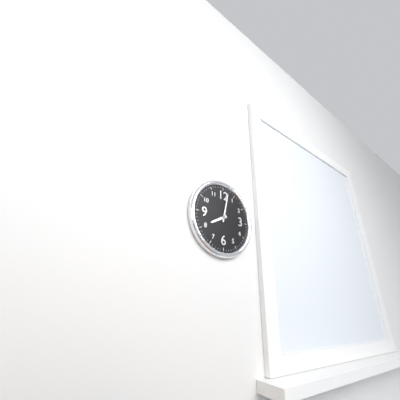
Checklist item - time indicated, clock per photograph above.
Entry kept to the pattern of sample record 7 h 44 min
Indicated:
8 h 02 min
